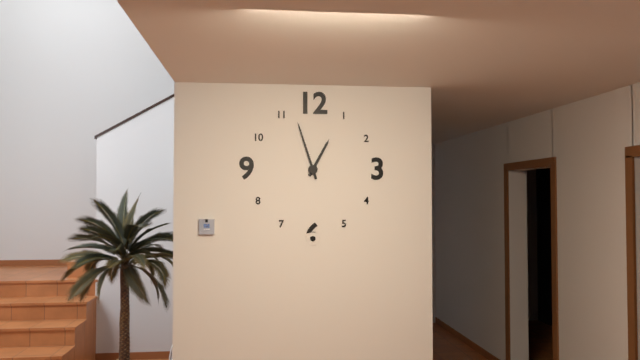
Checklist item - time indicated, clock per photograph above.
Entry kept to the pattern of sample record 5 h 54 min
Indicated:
12 h 57 min
